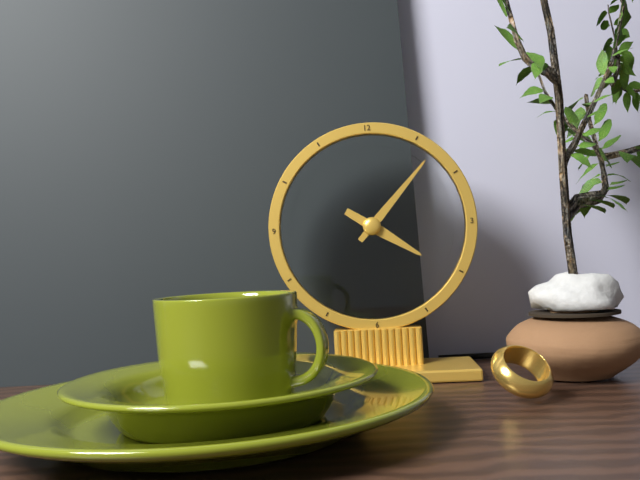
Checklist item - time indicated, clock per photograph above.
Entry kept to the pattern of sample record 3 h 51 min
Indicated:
4 h 07 min
